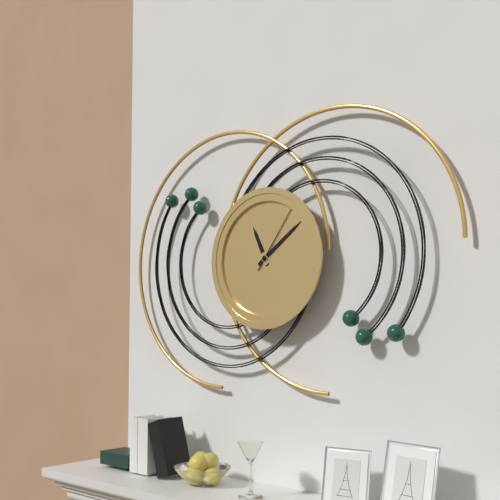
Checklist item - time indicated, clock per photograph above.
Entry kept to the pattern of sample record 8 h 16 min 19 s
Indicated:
11 h 09 min 06 s
